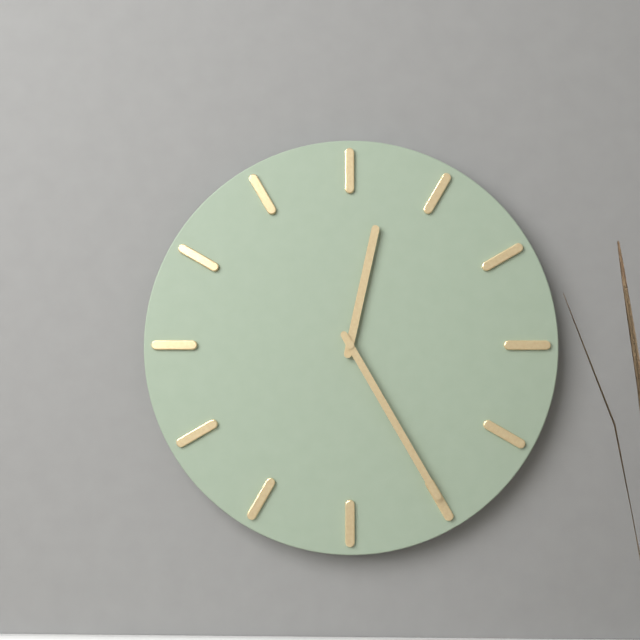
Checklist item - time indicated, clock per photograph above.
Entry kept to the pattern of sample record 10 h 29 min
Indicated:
12 h 25 min
